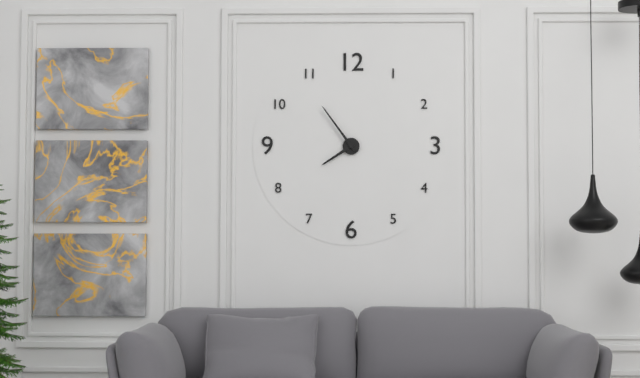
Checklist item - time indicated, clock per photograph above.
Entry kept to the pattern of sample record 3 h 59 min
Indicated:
7 h 54 min
